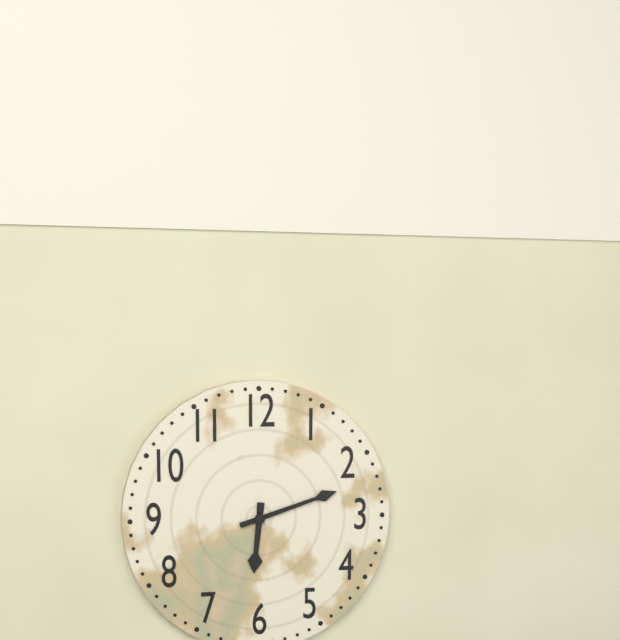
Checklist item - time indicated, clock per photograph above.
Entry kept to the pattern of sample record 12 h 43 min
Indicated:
6 h 12 min
